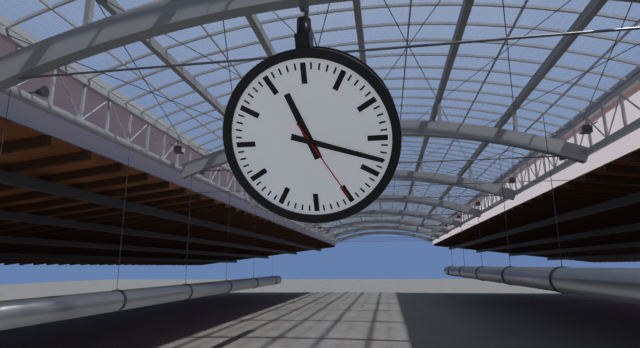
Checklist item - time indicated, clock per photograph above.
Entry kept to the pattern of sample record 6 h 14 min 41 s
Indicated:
11 h 18 min 25 s
